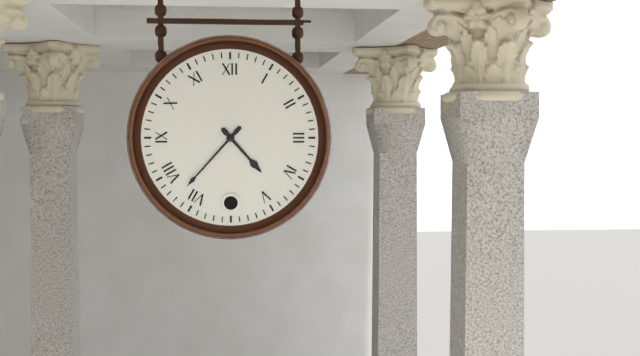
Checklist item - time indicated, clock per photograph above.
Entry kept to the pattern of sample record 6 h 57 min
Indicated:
4 h 37 min
